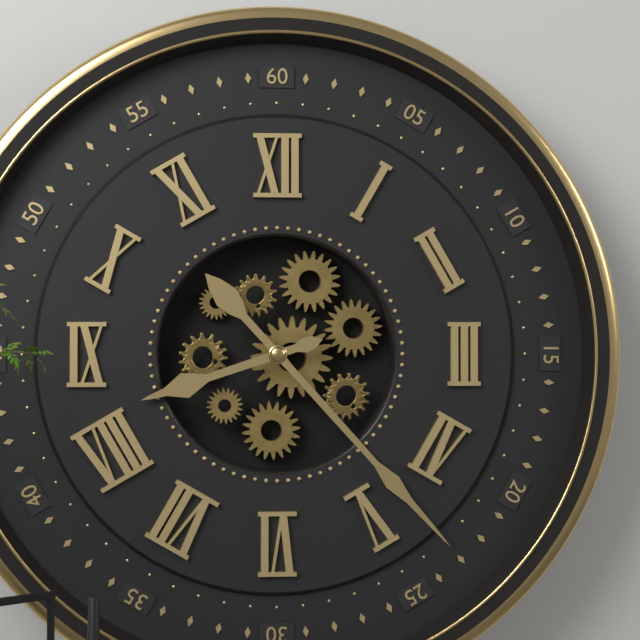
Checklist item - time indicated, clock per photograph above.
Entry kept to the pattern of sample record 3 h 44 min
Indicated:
8 h 23 min
